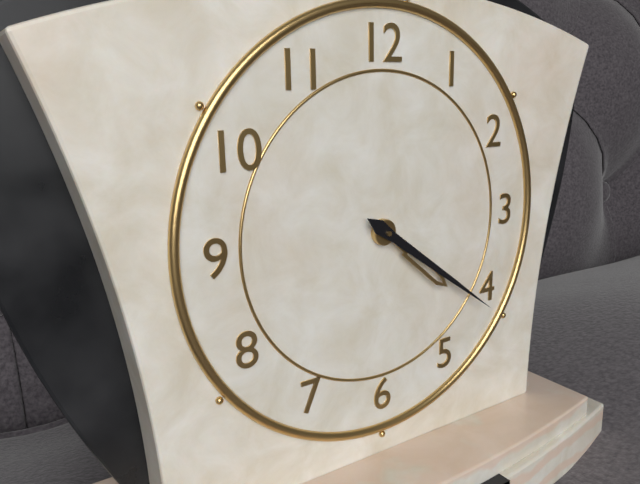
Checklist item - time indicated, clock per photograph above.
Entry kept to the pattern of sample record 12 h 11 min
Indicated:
4 h 21 min
